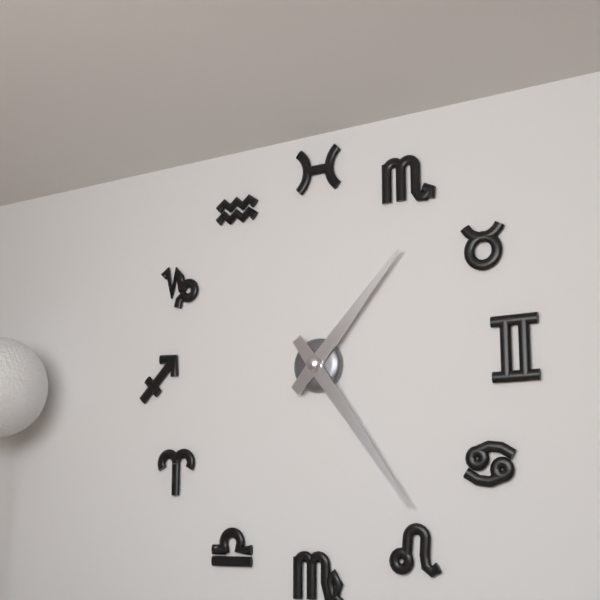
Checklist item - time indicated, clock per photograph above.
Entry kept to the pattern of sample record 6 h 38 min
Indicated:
1 h 24 min
